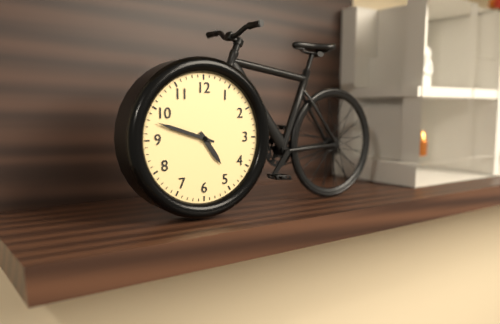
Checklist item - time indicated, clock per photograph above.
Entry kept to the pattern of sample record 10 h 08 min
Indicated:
4 h 48 min
